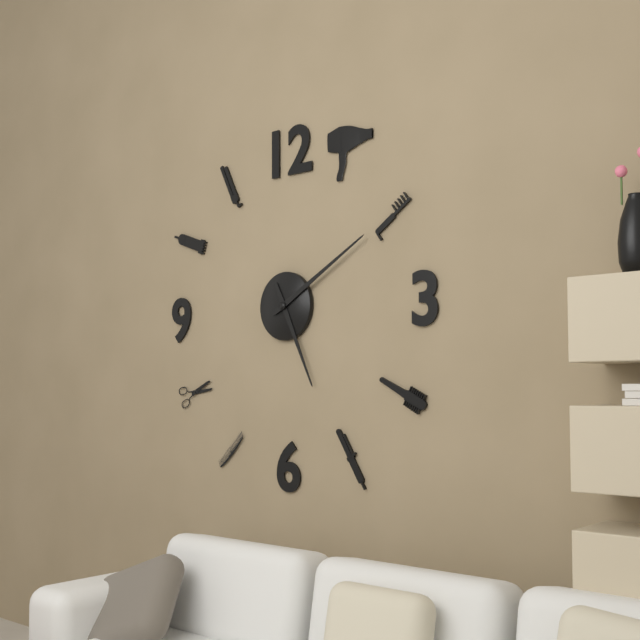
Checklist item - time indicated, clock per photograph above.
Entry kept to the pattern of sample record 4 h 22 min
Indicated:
5 h 10 min
